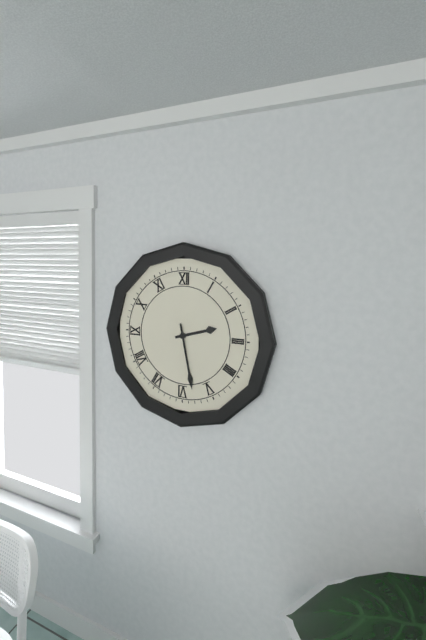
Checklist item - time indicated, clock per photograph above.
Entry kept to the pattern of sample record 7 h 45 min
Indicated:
2 h 28 min
